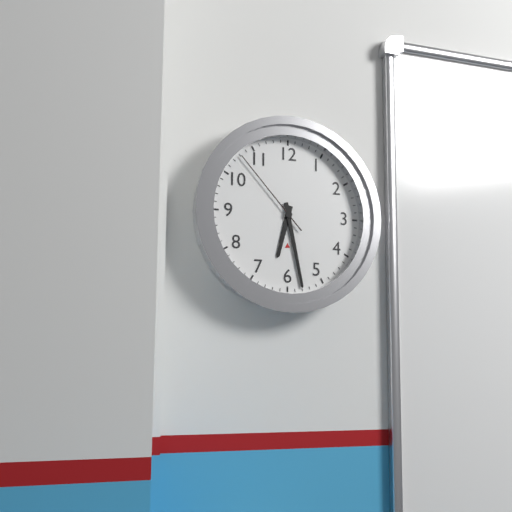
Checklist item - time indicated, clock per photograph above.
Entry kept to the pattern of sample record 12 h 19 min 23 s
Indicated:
6 h 28 min 53 s
